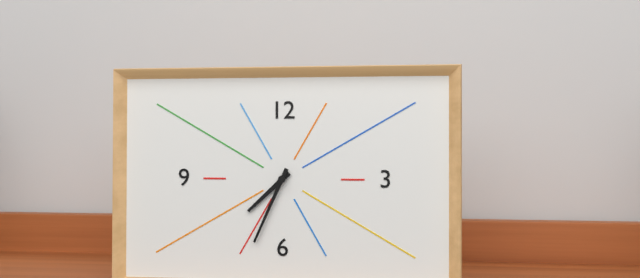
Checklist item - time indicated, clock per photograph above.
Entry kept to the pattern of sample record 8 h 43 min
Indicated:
7 h 34 min
